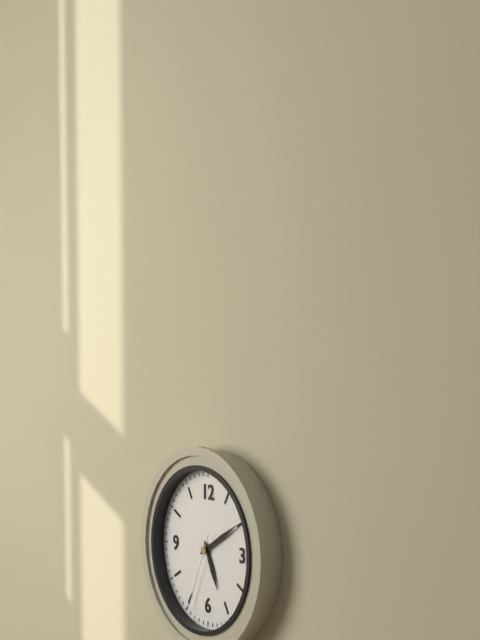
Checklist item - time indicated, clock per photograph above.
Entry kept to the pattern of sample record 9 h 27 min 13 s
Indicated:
5 h 10 min 34 s
